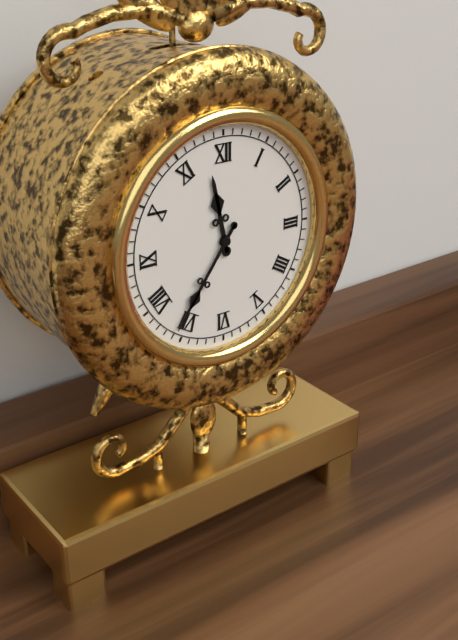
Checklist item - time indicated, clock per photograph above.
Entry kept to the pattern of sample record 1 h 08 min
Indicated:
11 h 36 min
